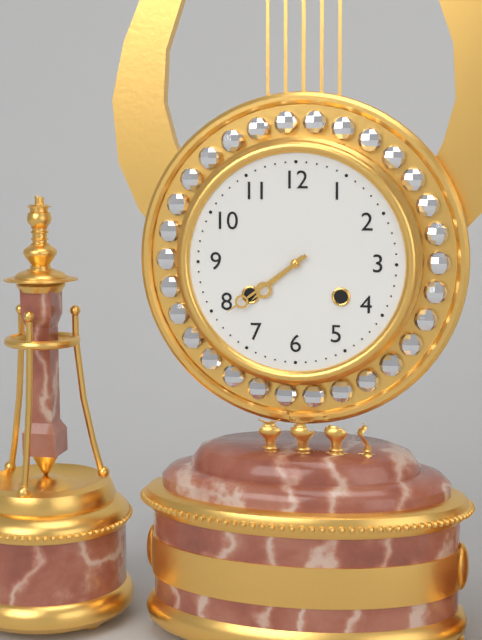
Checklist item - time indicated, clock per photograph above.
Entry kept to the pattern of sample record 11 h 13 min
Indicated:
7 h 39 min
